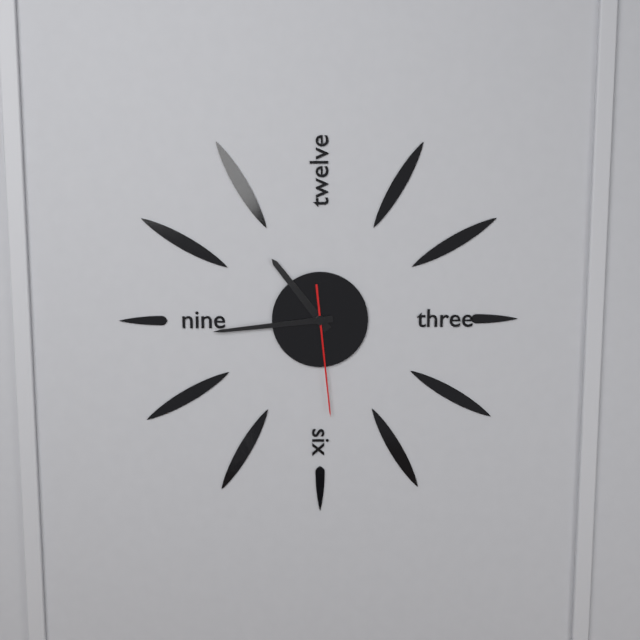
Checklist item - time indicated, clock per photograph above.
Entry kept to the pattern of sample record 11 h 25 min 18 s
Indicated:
10 h 44 min 29 s
